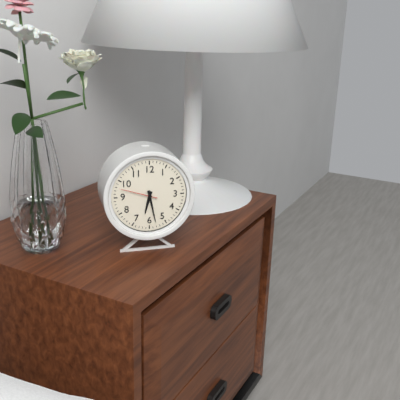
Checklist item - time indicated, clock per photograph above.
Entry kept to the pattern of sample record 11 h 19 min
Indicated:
6 h 28 min
